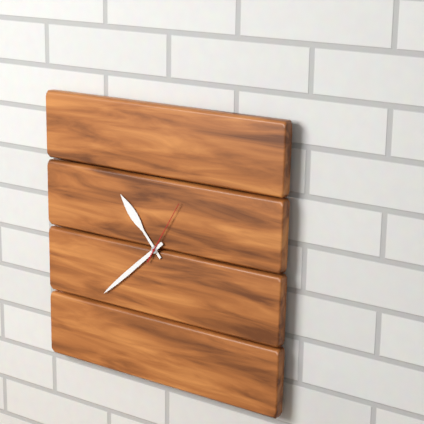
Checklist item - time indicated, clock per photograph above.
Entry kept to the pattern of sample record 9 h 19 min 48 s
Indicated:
10 h 38 min 05 s
